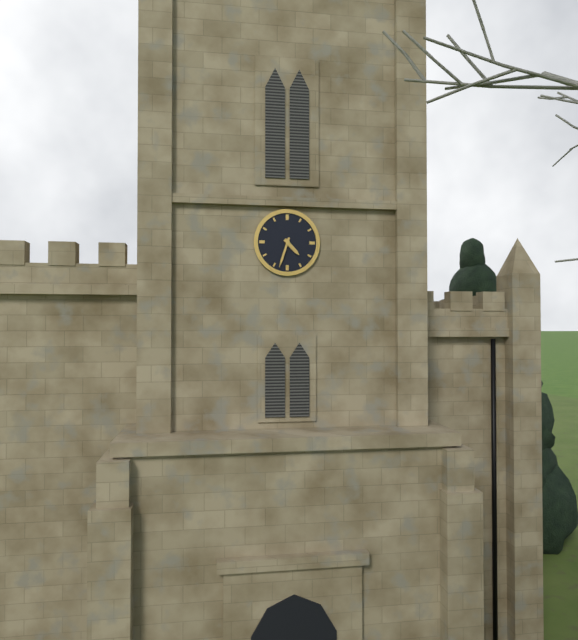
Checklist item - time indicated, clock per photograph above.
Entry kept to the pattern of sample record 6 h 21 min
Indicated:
4 h 33 min
